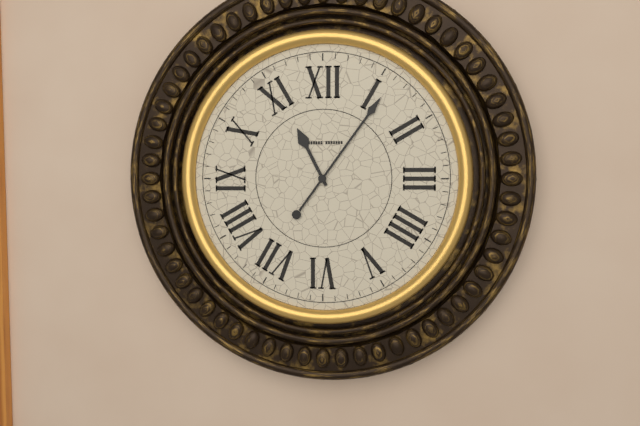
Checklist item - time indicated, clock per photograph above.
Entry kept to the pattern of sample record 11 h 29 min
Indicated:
11 h 06 min
